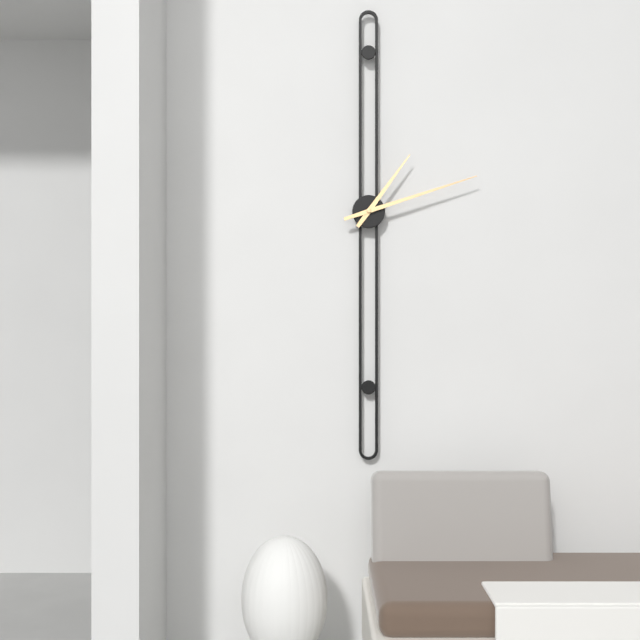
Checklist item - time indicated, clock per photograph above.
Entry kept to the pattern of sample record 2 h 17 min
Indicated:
1 h 12 min
